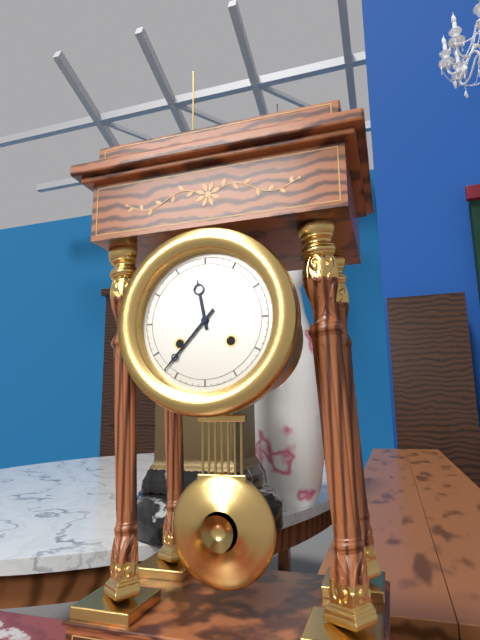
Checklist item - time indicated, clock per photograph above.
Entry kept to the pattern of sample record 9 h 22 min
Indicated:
11 h 37 min
